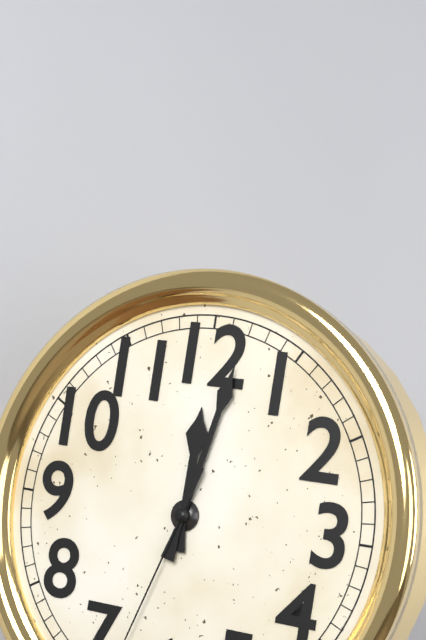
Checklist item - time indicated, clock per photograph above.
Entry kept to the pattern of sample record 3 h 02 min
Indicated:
12 h 02 min
